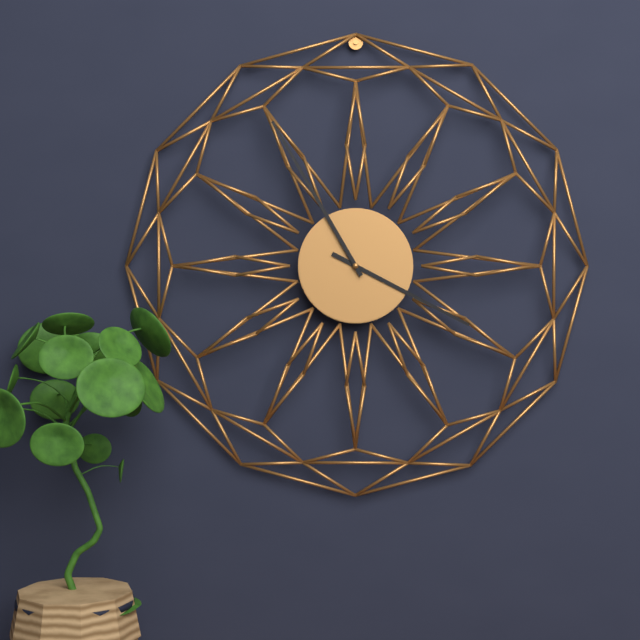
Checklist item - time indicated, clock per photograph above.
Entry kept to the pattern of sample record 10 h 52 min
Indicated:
3 h 55 min
